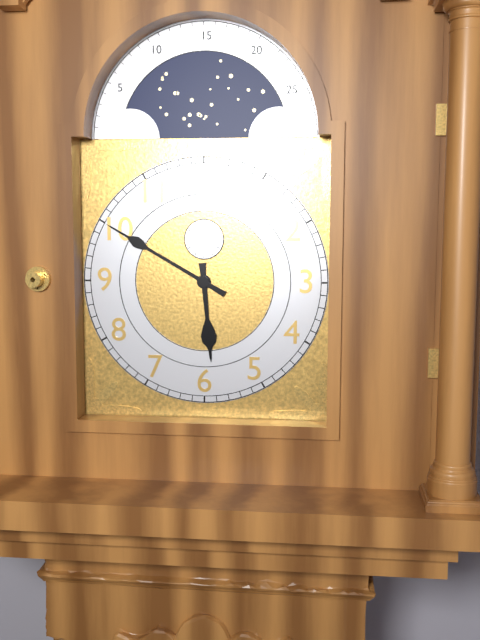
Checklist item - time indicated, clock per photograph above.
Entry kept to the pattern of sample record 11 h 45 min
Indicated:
5 h 50 min
